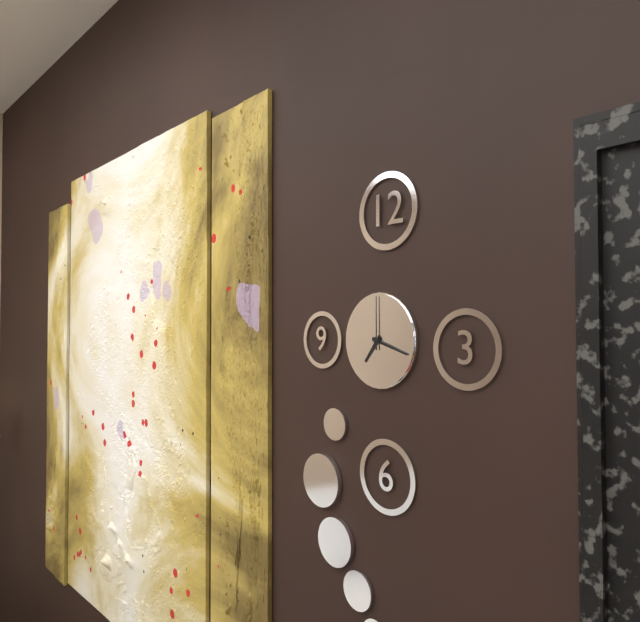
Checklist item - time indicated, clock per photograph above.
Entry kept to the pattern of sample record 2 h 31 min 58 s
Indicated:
7 h 18 min 00 s
